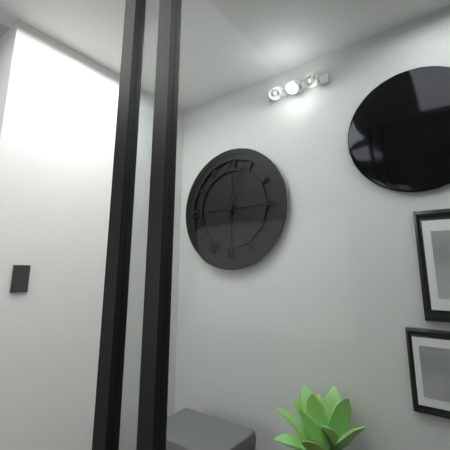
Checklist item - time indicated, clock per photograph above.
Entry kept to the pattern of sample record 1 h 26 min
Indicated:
4 h 03 min
